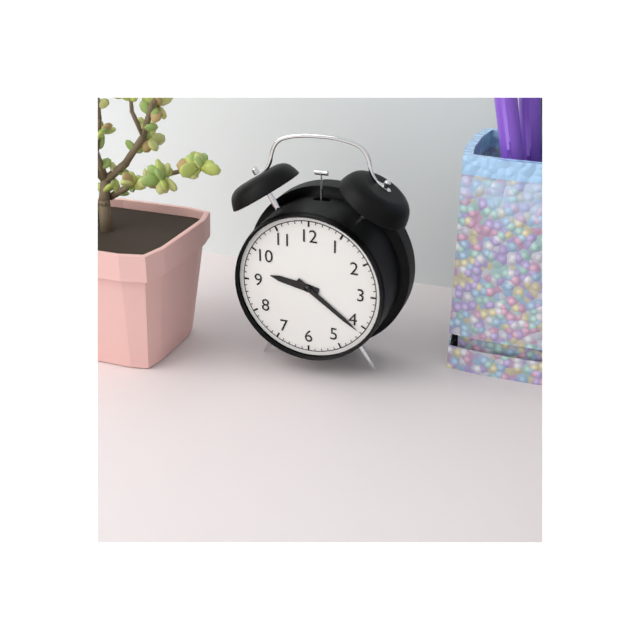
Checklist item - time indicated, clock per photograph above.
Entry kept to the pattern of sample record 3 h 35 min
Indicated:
9 h 21 min
